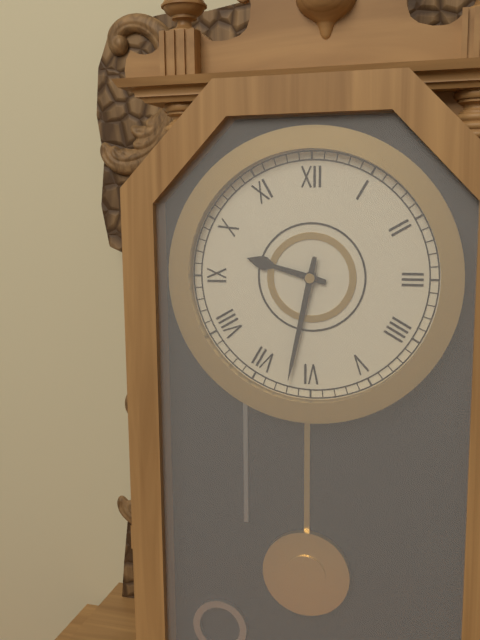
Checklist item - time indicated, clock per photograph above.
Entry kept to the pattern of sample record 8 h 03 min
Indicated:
9 h 32 min
